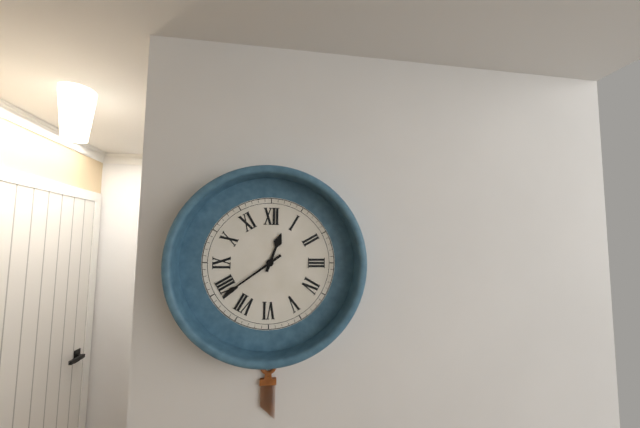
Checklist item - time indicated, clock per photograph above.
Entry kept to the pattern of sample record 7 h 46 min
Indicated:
12 h 39 min
